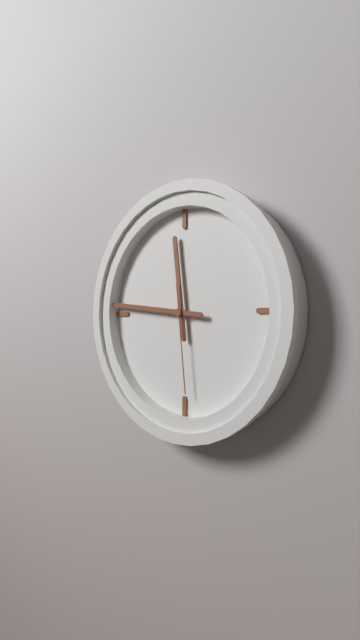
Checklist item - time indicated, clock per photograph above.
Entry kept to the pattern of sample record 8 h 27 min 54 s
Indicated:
11 h 46 min 29 s
